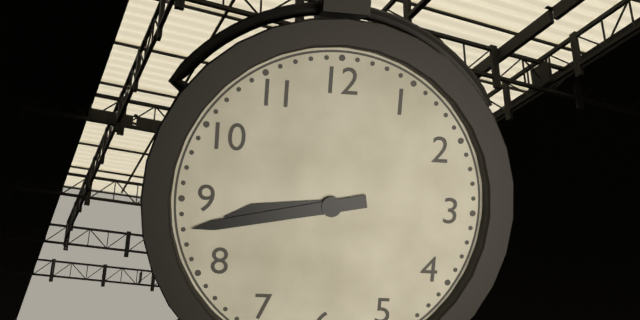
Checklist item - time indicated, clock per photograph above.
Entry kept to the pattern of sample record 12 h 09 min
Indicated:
8 h 43 min
